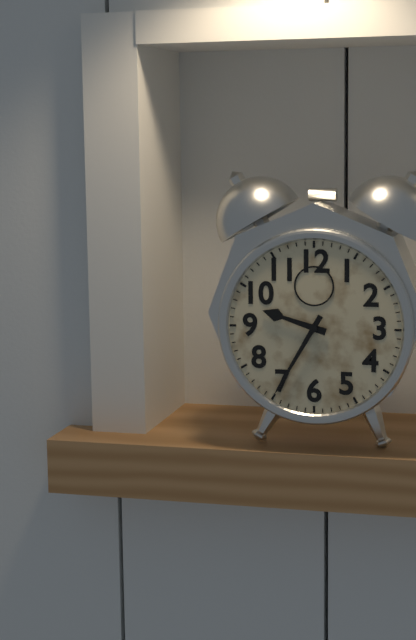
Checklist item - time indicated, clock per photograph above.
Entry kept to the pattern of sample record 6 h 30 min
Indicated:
9 h 35 min
